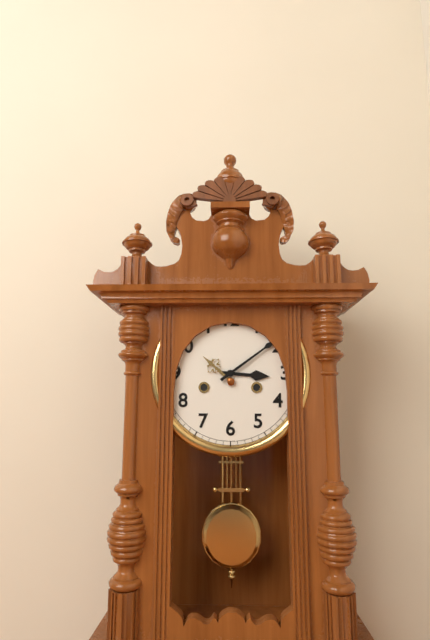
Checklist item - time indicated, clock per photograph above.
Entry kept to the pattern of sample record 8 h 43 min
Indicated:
3 h 09 min
